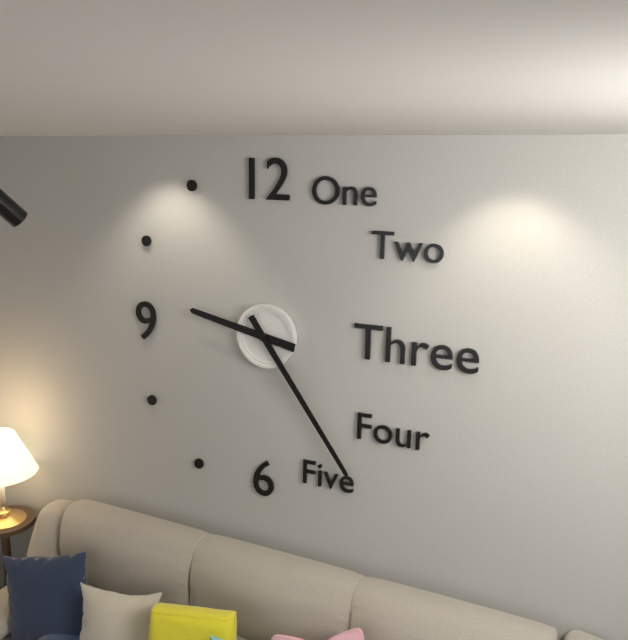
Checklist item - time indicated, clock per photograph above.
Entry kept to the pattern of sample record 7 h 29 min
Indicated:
9 h 24 min
